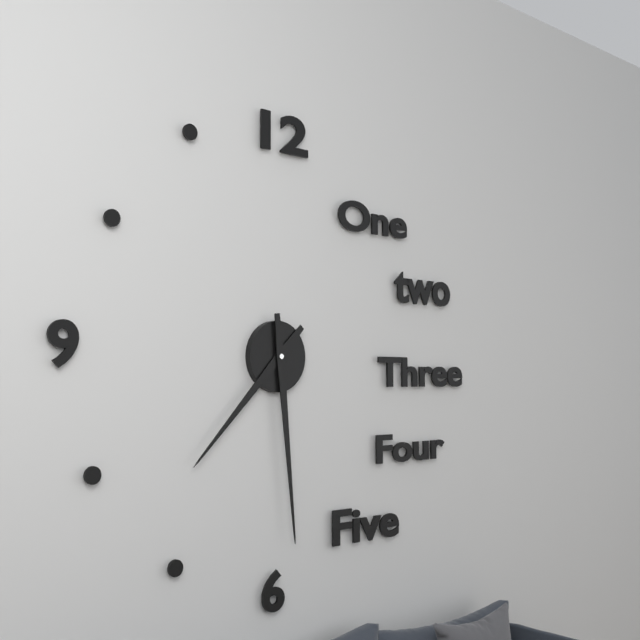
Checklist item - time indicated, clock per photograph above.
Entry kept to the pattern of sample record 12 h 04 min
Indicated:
7 h 29 min
